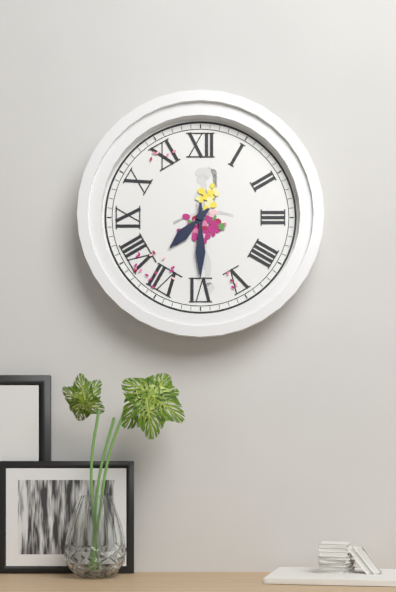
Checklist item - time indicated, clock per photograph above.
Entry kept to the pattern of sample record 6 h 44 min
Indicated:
7 h 30 min
